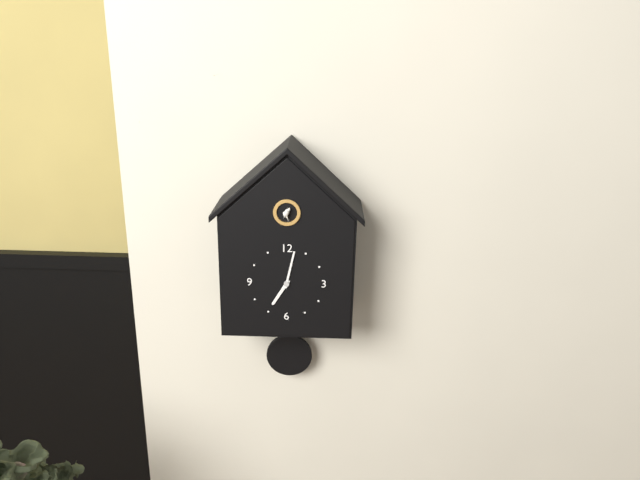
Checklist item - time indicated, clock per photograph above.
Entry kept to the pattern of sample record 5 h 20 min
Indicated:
7 h 02 min
